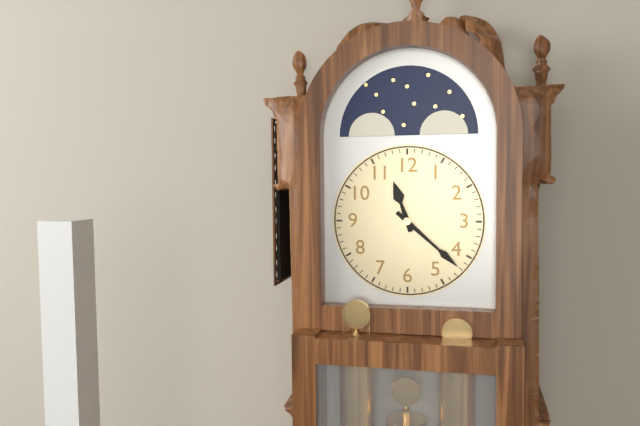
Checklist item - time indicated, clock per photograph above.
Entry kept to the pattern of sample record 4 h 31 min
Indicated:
11 h 22 min
